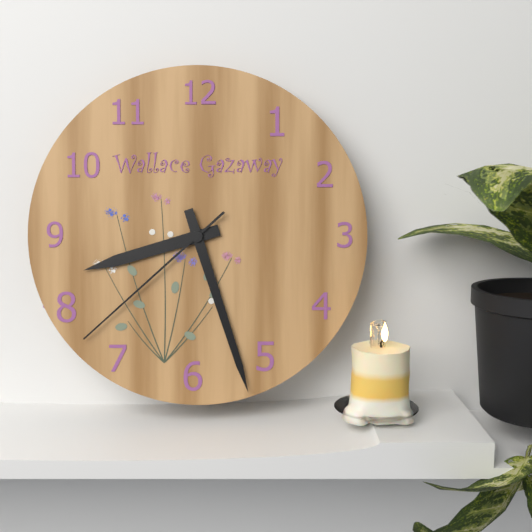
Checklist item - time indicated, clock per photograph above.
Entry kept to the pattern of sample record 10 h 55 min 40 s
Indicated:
8 h 27 min 38 s
